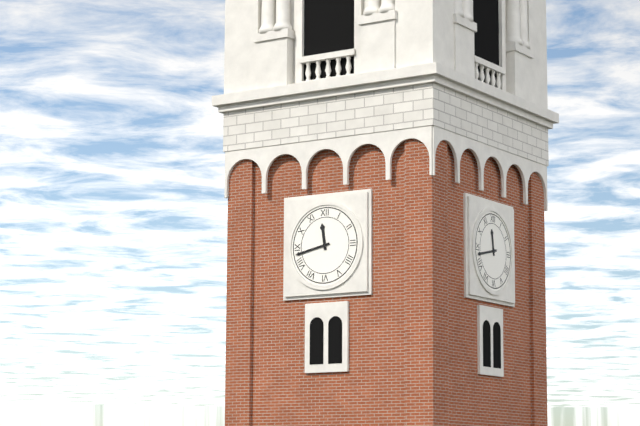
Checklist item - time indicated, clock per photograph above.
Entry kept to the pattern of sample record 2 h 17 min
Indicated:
11 h 43 min
